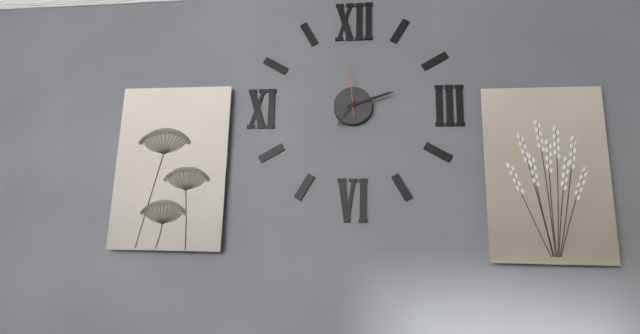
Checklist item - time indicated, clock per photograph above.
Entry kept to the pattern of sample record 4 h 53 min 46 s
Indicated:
7 h 12 min 59 s
